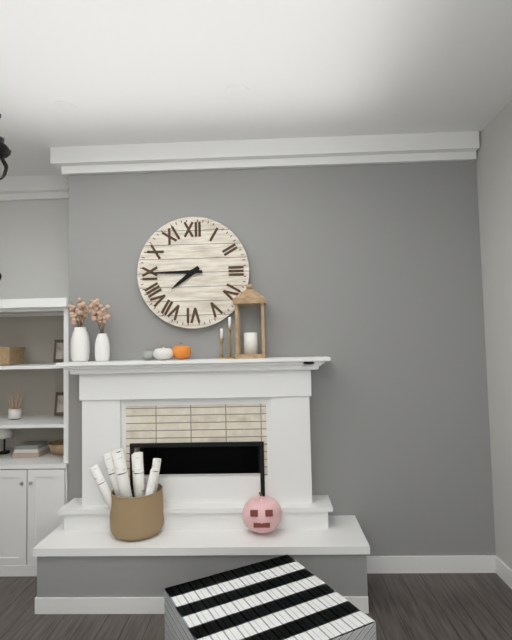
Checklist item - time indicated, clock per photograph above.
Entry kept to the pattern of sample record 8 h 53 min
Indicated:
7 h 45 min
